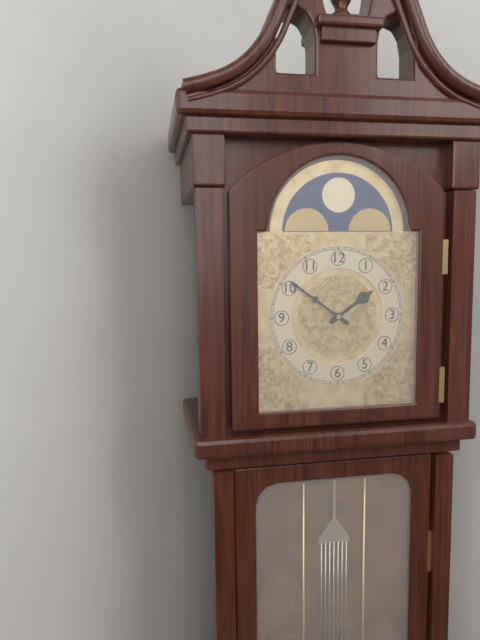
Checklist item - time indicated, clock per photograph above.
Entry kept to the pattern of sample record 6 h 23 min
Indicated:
1 h 51 min
